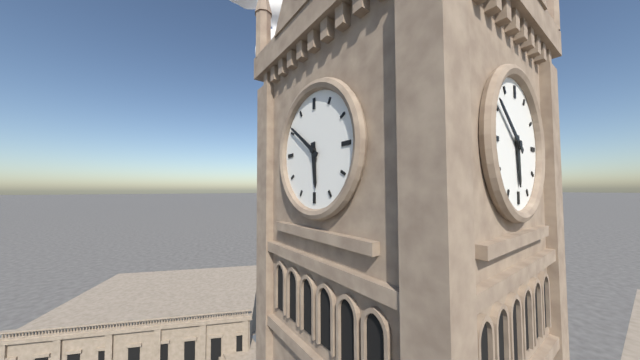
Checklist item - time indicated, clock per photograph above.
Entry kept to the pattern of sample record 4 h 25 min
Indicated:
5 h 51 min
